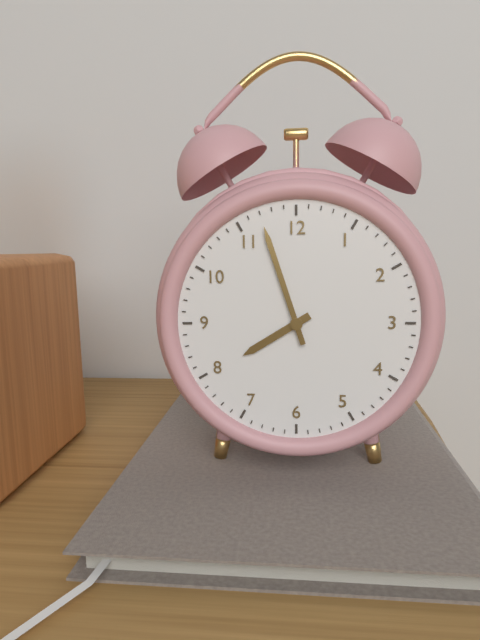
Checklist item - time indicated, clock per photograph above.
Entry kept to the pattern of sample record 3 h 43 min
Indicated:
7 h 57 min
